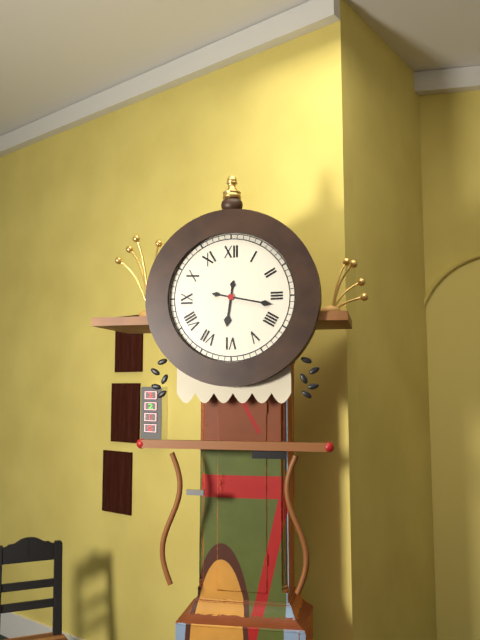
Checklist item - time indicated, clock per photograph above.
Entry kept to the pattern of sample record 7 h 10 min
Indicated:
6 h 17 min
